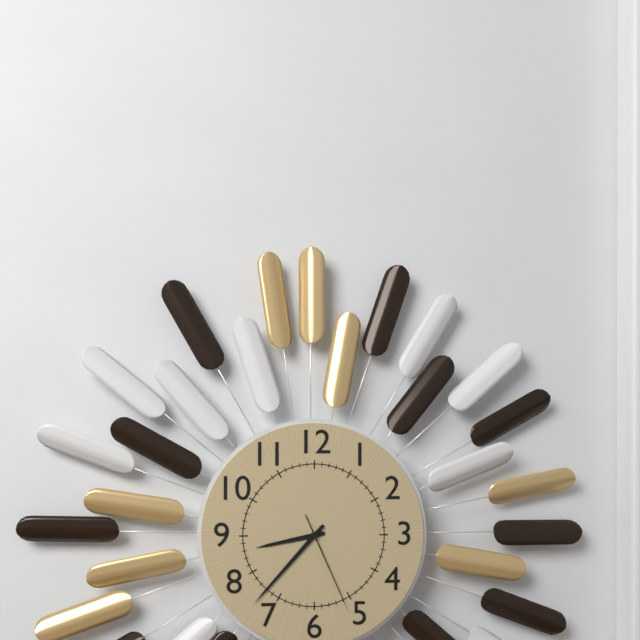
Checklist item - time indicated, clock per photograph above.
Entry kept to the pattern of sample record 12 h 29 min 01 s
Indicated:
8 h 37 min 26 s
